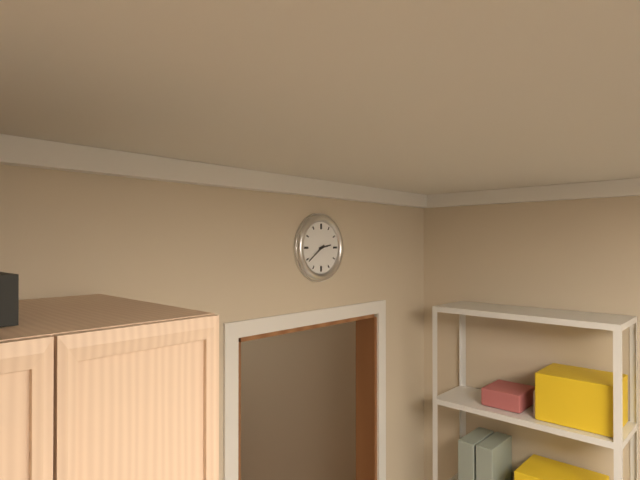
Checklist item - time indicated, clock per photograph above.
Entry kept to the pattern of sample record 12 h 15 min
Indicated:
2 h 39 min
